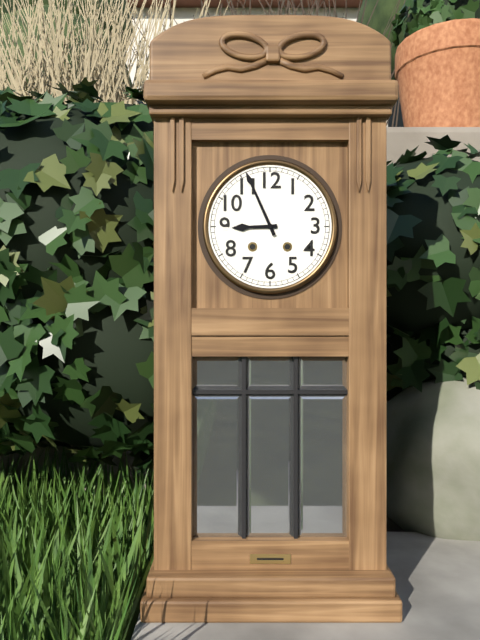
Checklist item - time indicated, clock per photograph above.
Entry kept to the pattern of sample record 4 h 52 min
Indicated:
8 h 56 min
